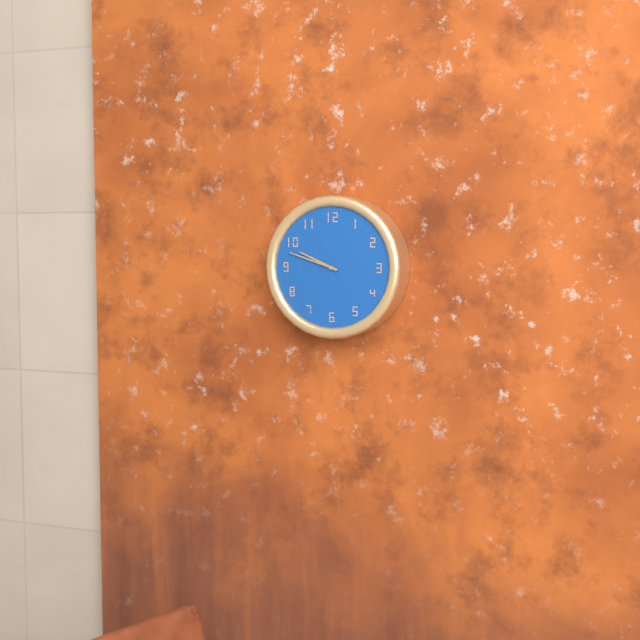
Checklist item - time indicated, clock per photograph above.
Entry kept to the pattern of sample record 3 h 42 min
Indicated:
9 h 48 min
